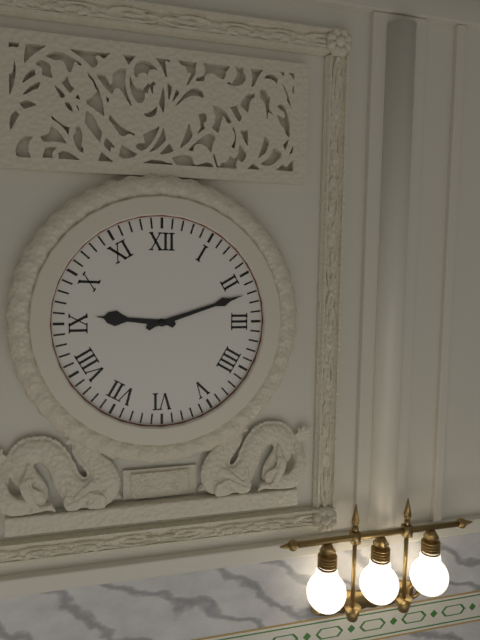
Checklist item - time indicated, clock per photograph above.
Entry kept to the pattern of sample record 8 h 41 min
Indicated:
9 h 12 min
